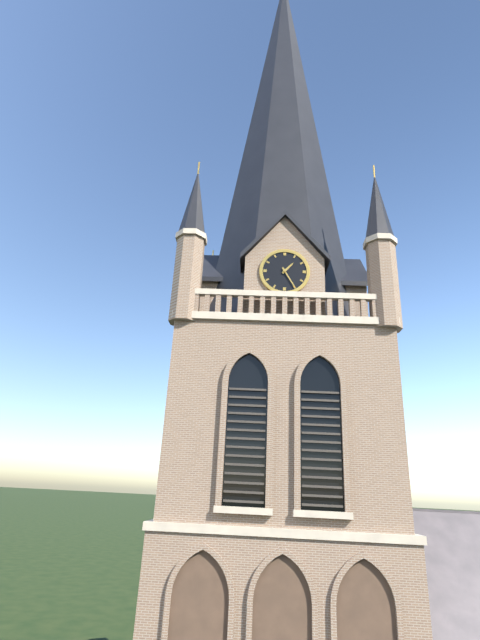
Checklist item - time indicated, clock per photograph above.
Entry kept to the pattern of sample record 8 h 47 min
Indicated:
1 h 25 min
